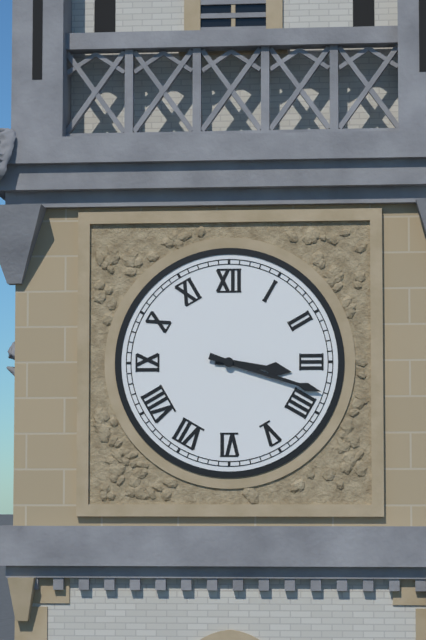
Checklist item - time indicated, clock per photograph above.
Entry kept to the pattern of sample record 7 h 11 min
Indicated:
3 h 18 min
